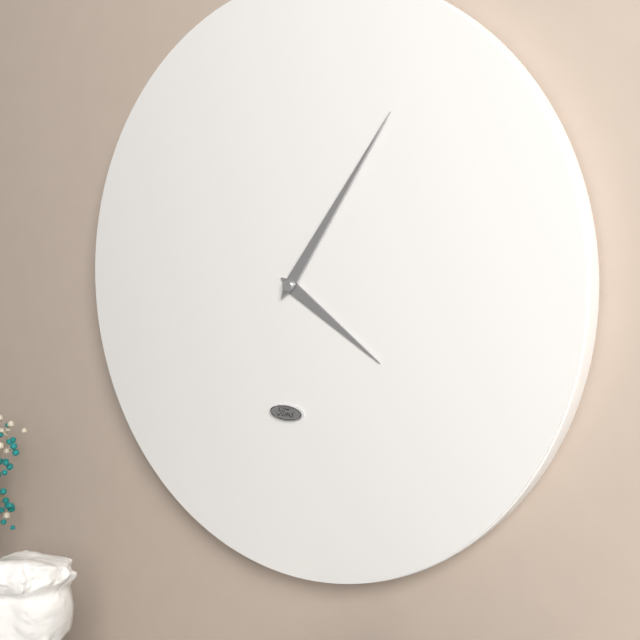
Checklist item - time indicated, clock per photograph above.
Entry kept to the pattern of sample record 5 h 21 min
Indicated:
4 h 06 min
